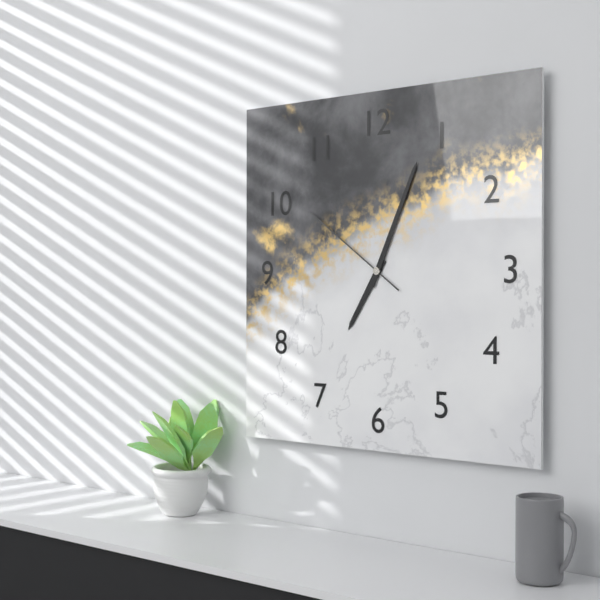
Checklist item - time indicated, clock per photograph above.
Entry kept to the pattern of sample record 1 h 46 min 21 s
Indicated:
7 h 04 min 51 s
